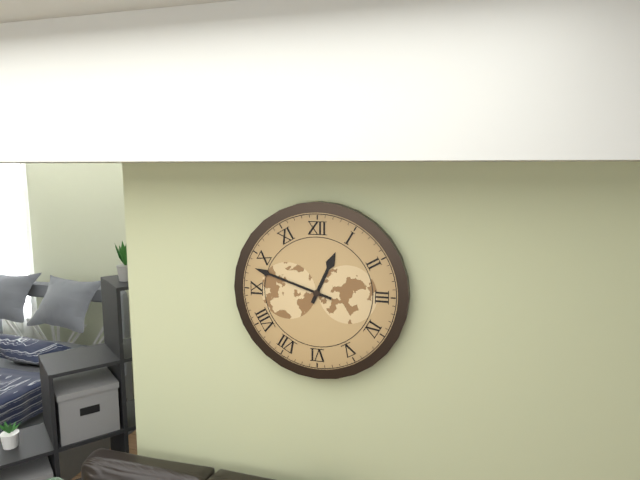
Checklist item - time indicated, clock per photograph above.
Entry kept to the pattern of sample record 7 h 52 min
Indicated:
12 h 48 min
